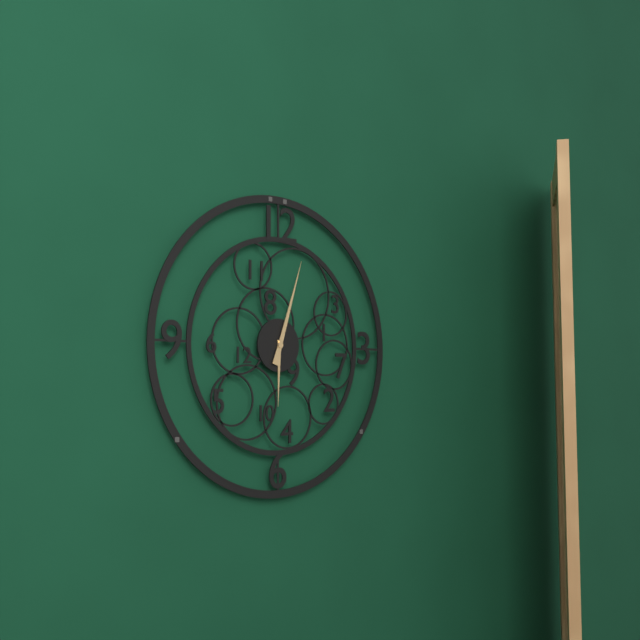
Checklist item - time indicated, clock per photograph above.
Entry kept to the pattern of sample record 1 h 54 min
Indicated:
6 h 03 min
